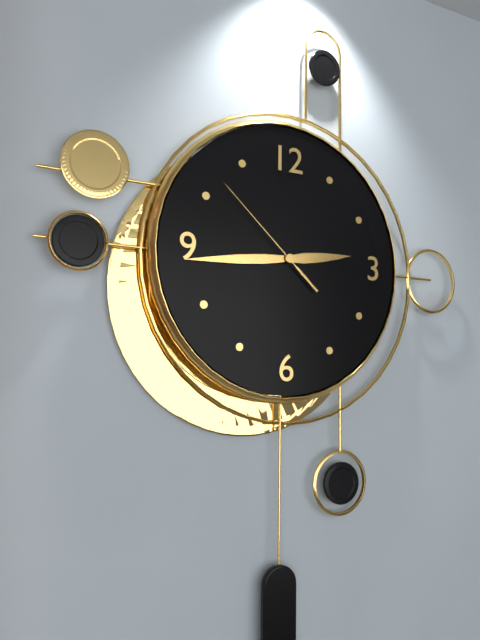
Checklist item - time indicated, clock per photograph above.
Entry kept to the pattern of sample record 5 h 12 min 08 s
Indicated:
2 h 44 min 52 s
